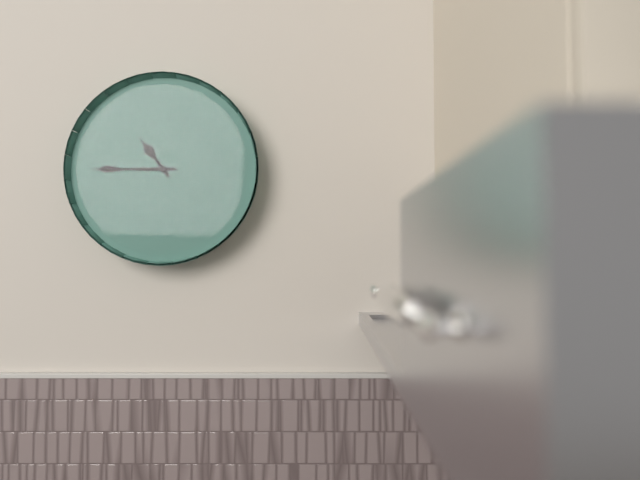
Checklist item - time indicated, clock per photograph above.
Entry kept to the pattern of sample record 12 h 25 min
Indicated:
10 h 45 min
